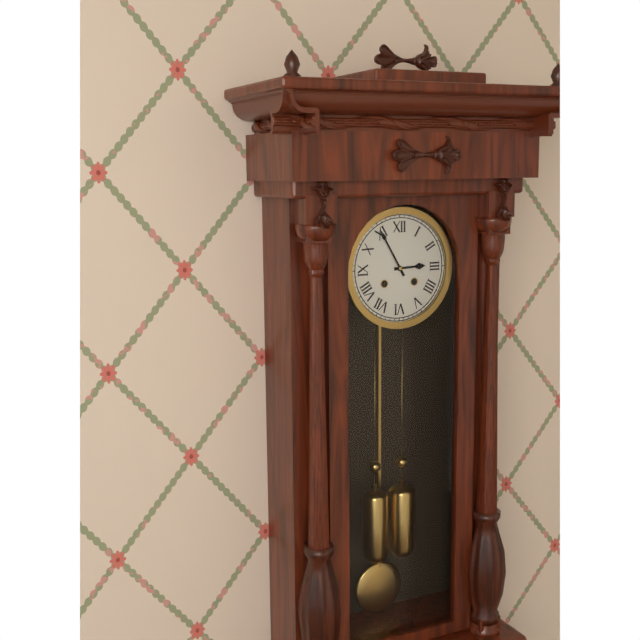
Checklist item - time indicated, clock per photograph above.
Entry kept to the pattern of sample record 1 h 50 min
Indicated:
2 h 55 min
